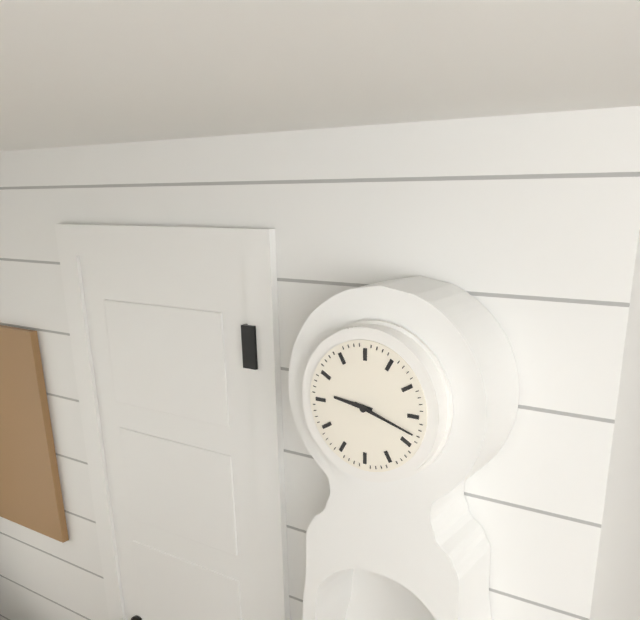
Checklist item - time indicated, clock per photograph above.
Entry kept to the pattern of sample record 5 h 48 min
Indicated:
9 h 18 min
